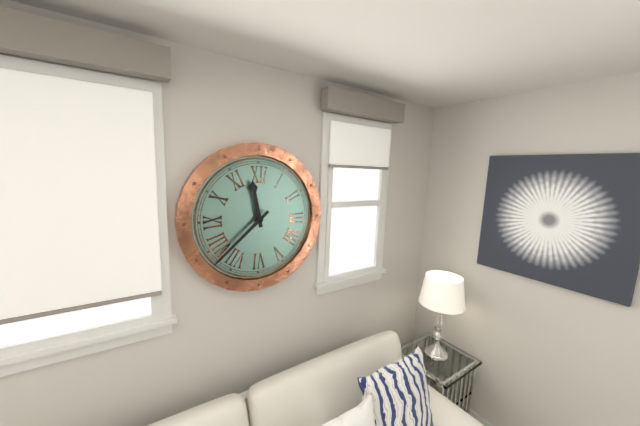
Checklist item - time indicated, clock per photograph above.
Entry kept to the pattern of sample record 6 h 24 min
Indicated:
11 h 38 min
